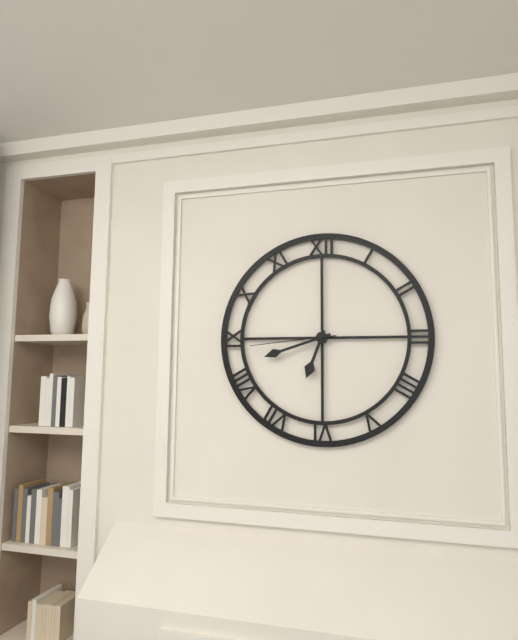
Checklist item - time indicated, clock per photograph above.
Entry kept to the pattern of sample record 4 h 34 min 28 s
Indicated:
6 h 42 min 44 s
